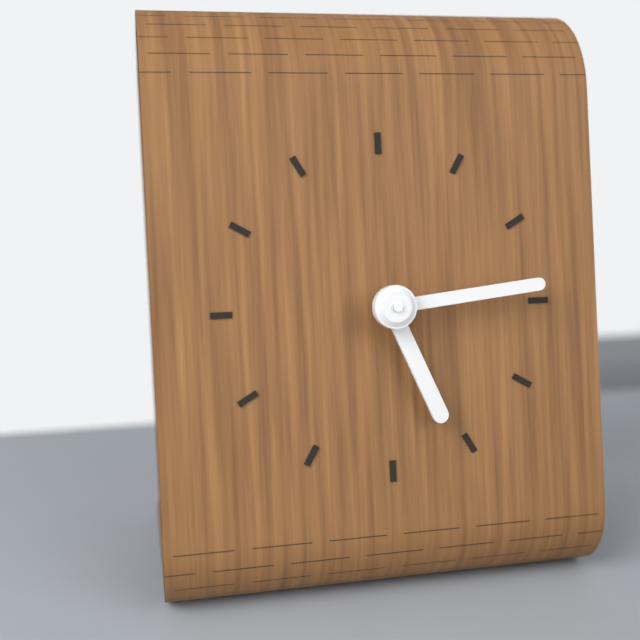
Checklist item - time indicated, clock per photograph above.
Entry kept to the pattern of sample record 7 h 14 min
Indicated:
5 h 14 min
